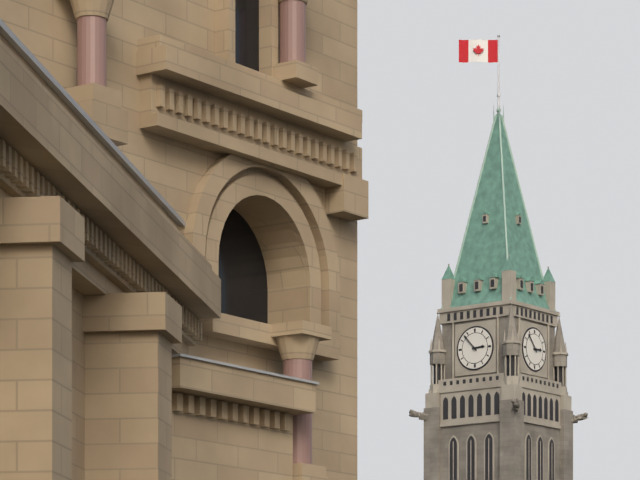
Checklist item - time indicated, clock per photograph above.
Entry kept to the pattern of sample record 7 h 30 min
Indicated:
2 h 53 min
